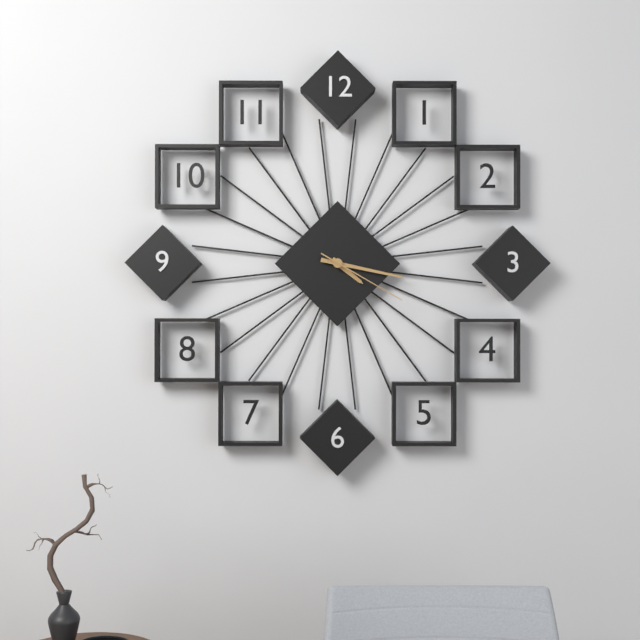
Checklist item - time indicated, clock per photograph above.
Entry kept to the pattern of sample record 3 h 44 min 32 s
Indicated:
4 h 17 min 20 s
